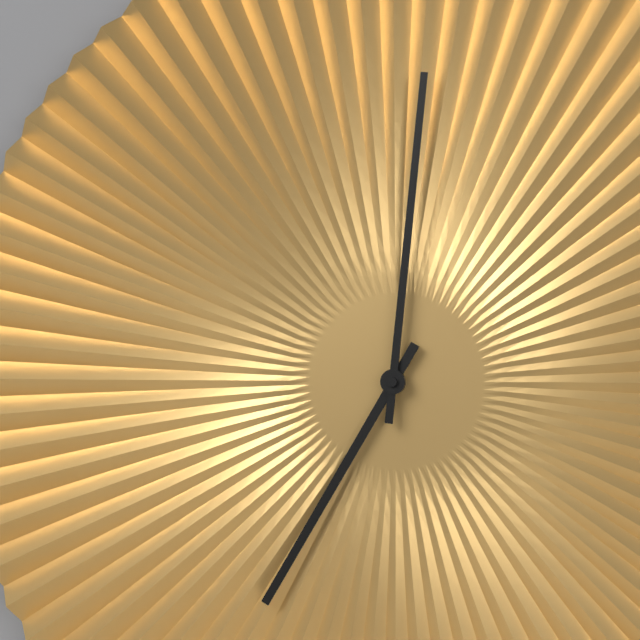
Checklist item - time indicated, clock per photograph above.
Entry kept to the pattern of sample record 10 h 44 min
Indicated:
7 h 01 min
